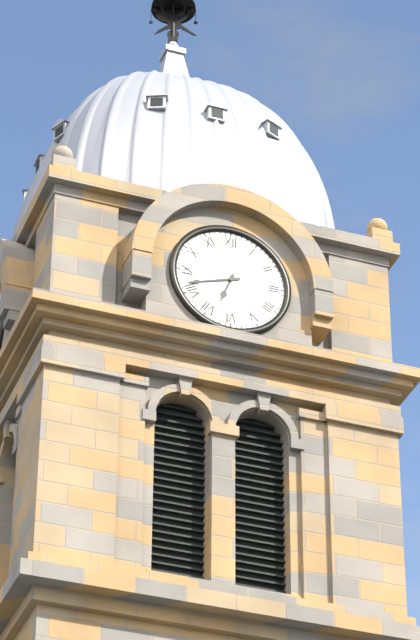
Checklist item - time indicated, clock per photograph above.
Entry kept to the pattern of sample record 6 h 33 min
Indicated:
6 h 42 min
